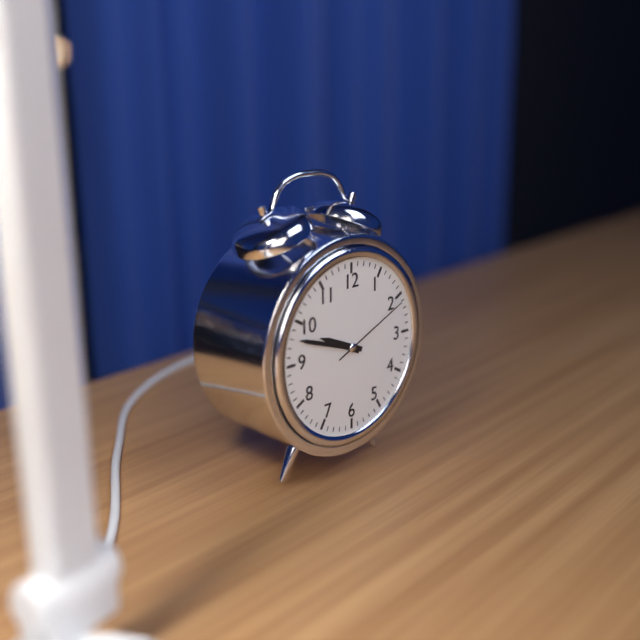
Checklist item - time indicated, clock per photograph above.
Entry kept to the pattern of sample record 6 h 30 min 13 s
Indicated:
9 h 48 min 11 s
